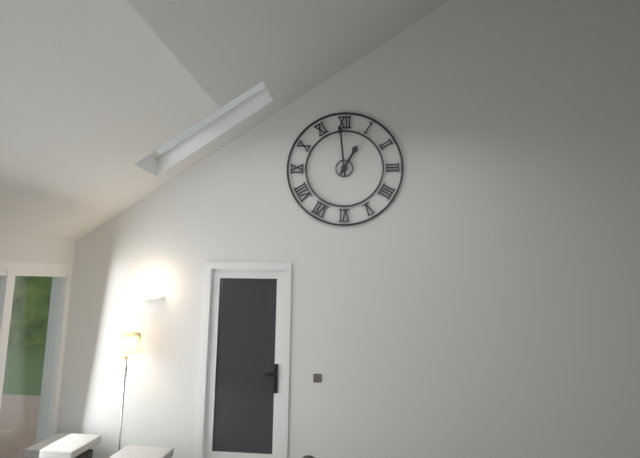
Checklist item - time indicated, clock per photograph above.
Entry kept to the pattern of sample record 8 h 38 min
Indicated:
12 h 59 min
